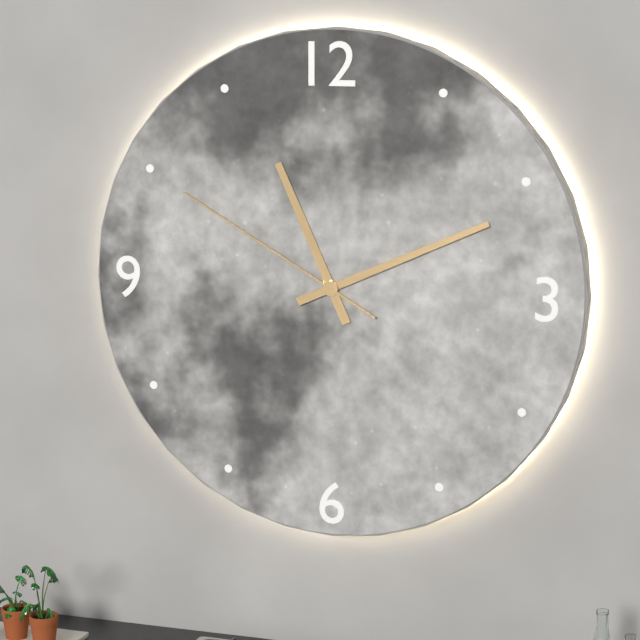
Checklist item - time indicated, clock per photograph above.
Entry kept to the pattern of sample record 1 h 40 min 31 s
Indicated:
11 h 11 min 50 s
